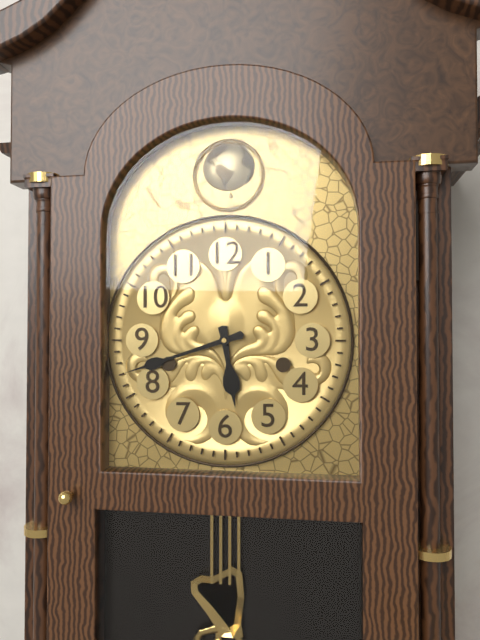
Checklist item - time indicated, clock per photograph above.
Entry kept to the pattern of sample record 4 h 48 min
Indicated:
5 h 42 min
